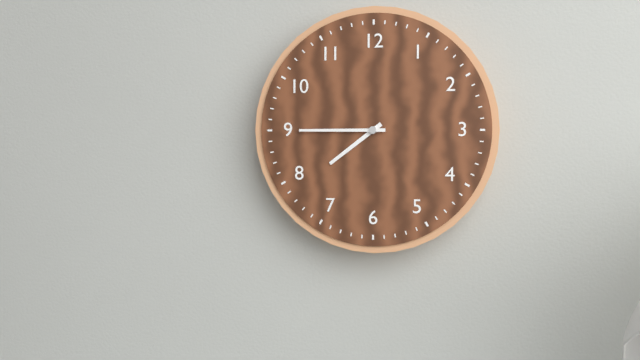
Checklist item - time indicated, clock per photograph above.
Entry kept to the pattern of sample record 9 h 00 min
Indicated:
7 h 45 min
